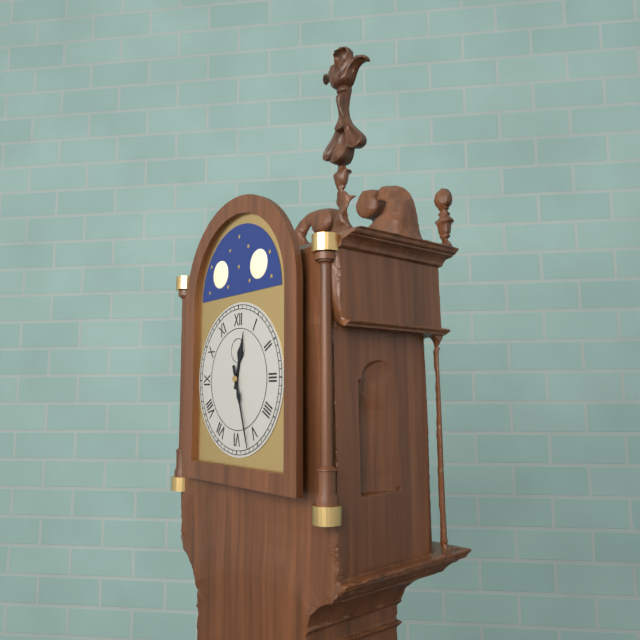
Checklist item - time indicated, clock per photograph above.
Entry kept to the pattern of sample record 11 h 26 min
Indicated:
12 h 27 min
